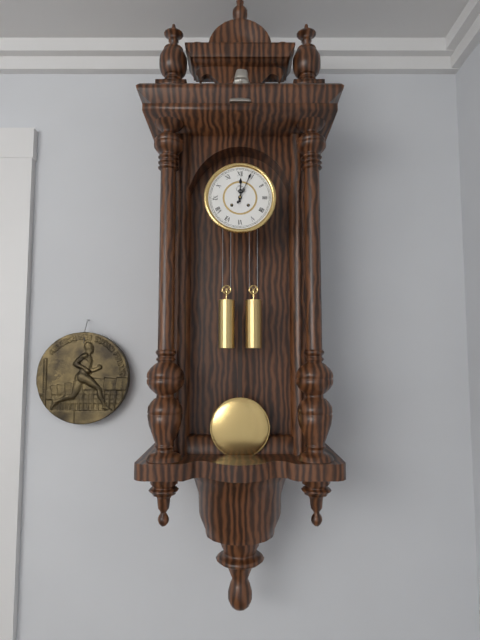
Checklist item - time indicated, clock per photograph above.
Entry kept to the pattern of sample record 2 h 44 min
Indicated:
12 h 04 min
